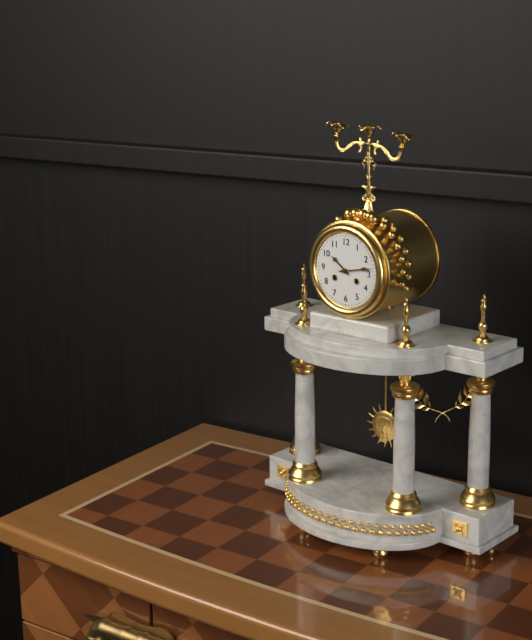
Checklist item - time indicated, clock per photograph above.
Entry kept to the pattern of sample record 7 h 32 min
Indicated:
10 h 13 min
